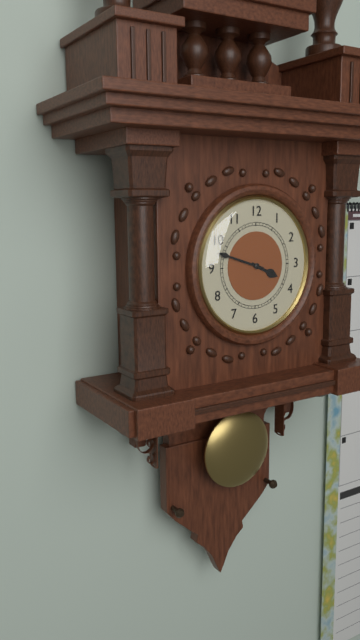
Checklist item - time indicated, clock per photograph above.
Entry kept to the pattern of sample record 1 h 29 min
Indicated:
3 h 48 min
